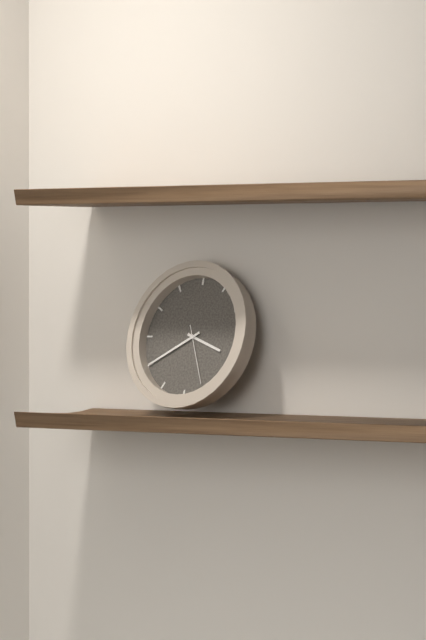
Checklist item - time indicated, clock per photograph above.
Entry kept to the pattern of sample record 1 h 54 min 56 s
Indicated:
3 h 40 min 26 s
